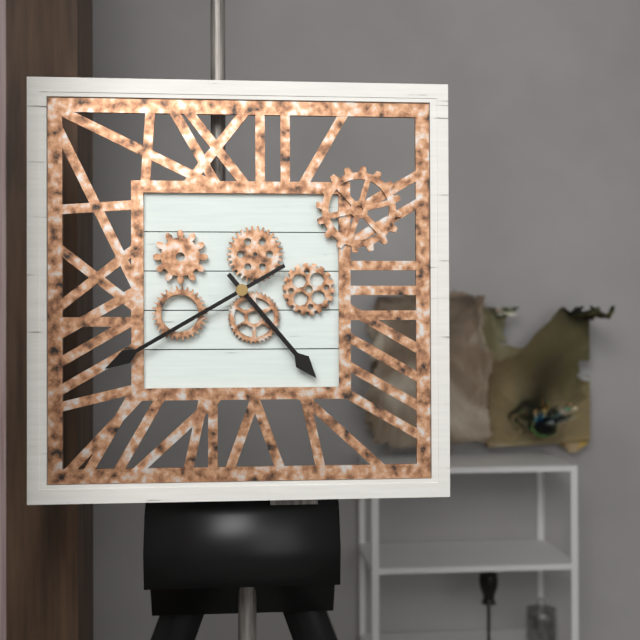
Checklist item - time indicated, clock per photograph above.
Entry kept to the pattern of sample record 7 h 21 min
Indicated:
4 h 40 min
